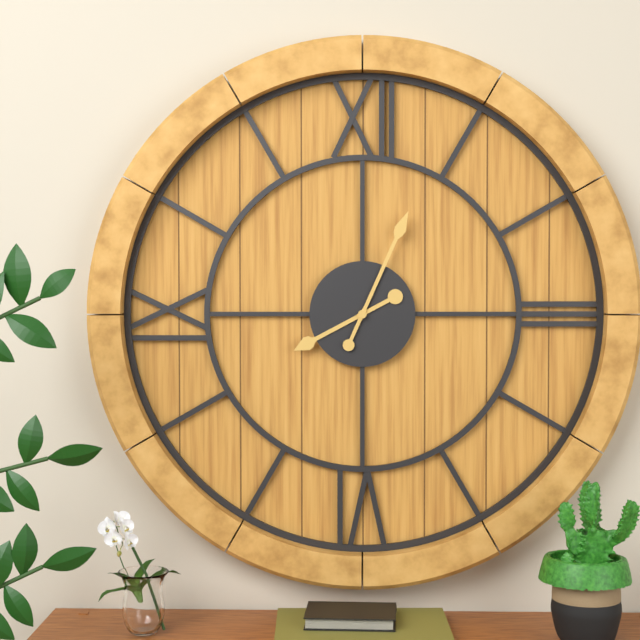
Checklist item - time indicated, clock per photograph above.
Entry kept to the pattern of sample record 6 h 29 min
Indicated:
8 h 04 min
